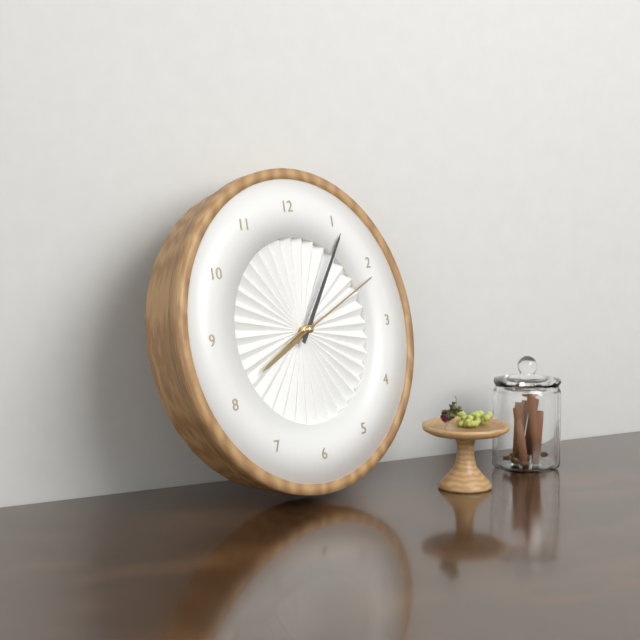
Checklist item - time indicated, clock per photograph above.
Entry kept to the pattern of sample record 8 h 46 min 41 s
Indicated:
8 h 06 min 11 s
